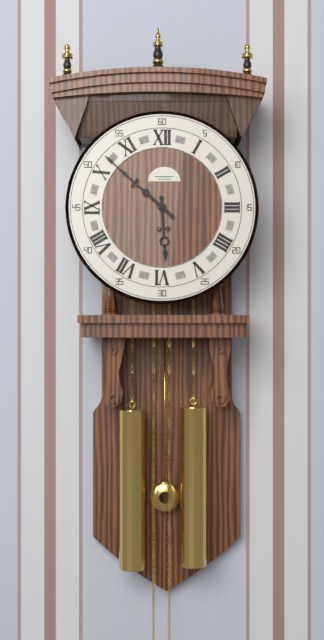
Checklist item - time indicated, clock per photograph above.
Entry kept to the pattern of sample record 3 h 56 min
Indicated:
5 h 52 min
